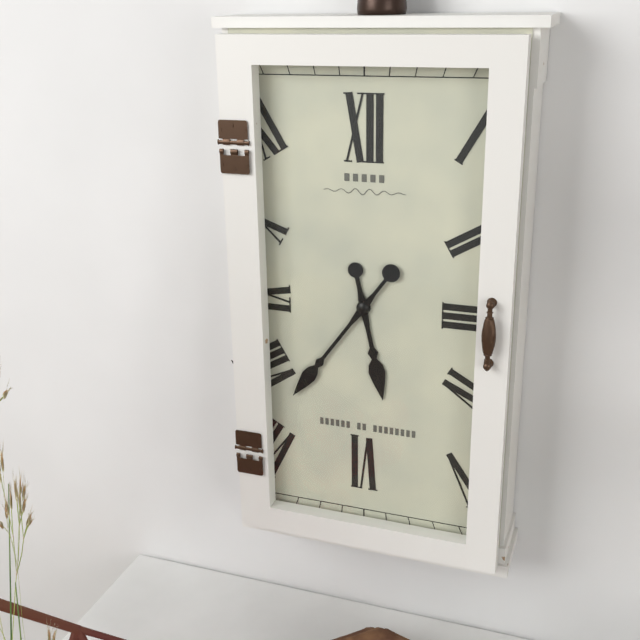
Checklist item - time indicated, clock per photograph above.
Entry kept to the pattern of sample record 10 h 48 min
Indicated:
5 h 36 min
